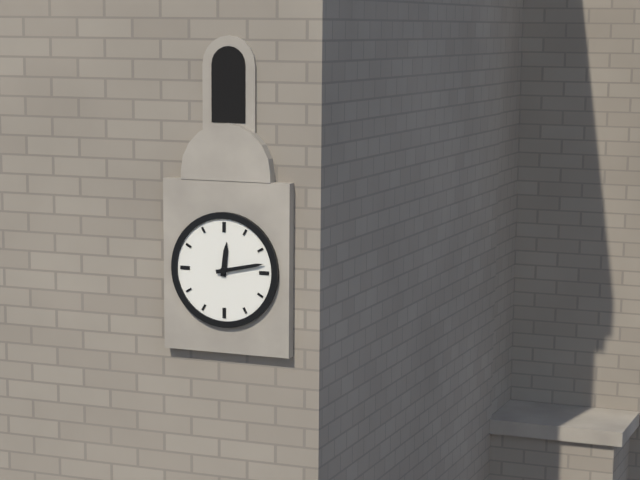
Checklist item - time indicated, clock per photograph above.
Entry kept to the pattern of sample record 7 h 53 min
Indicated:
12 h 13 min
